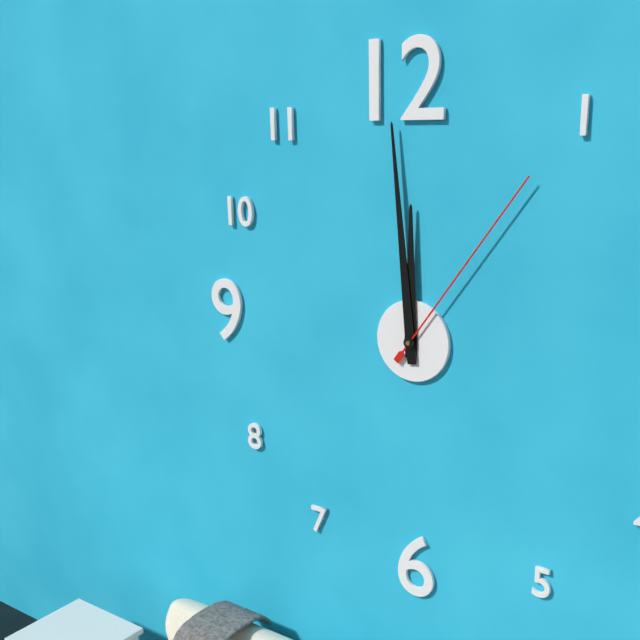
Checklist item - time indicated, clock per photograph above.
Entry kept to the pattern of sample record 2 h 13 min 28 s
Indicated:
11 h 59 min 06 s
